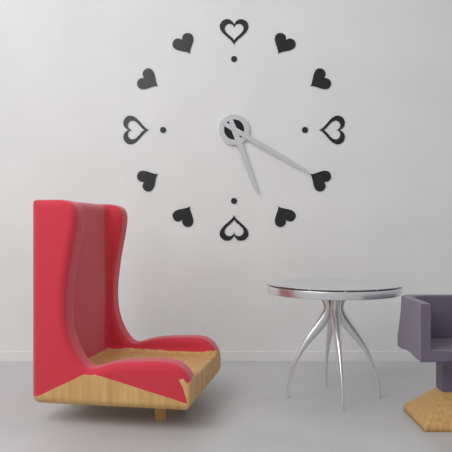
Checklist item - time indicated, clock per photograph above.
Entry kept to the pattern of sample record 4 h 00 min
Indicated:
5 h 20 min
